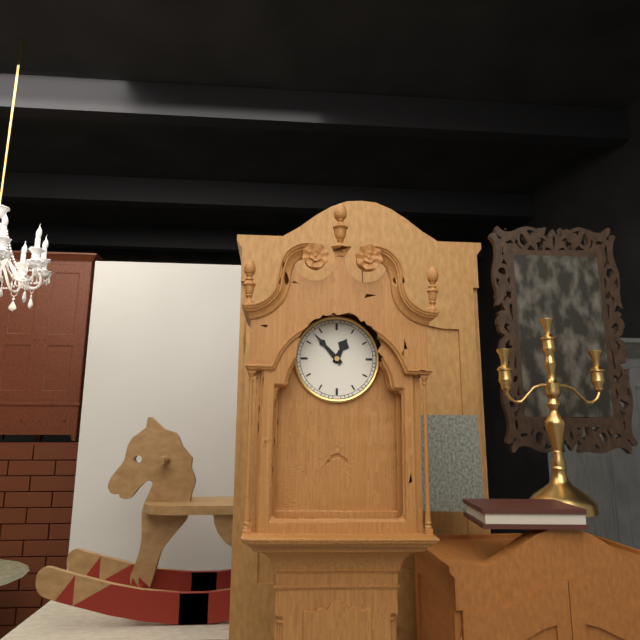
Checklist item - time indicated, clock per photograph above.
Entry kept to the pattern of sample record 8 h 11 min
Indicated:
12 h 53 min
